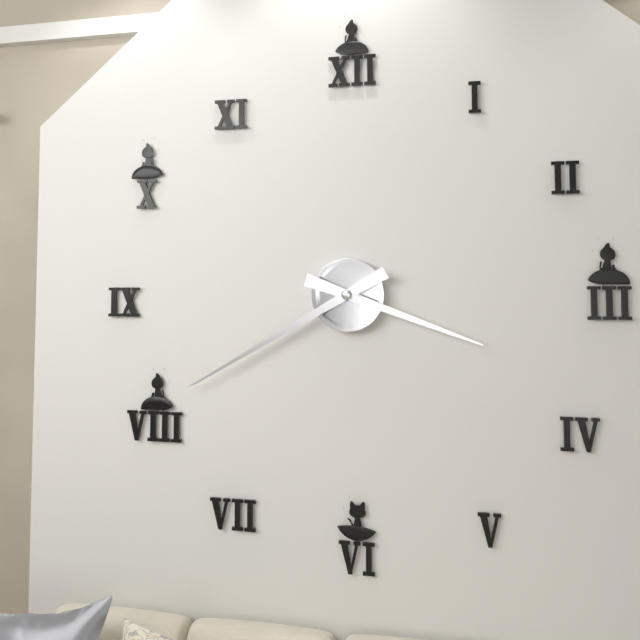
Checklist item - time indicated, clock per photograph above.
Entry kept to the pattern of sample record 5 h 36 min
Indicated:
3 h 40 min
